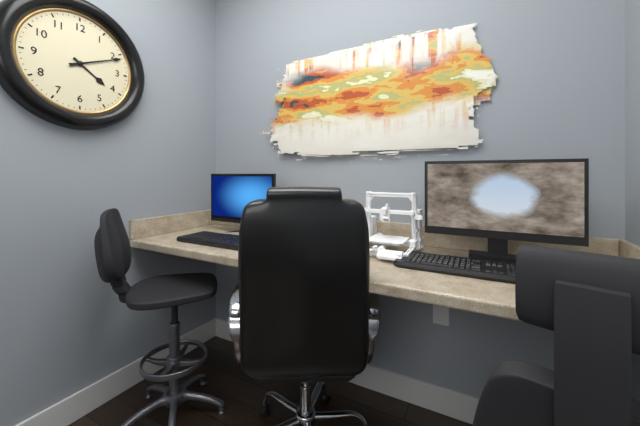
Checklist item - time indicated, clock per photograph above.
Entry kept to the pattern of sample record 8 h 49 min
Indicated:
4 h 11 min
